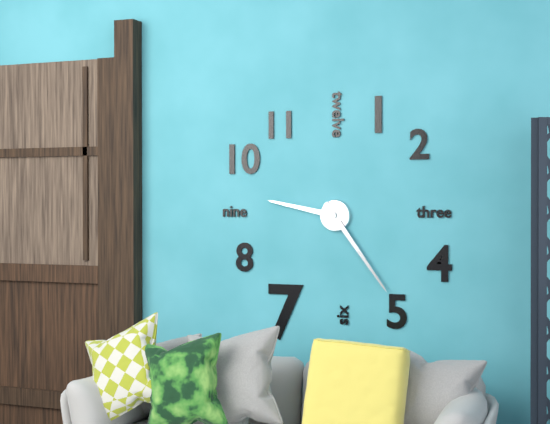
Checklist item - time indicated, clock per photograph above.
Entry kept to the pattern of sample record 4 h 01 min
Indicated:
9 h 24 min
